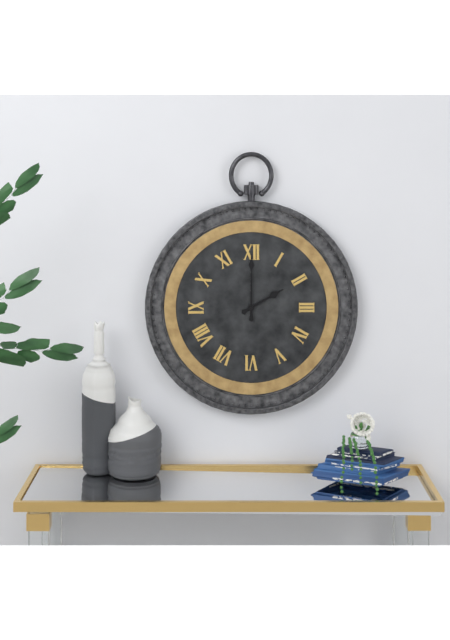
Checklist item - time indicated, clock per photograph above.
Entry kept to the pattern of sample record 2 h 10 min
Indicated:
2 h 00 min
